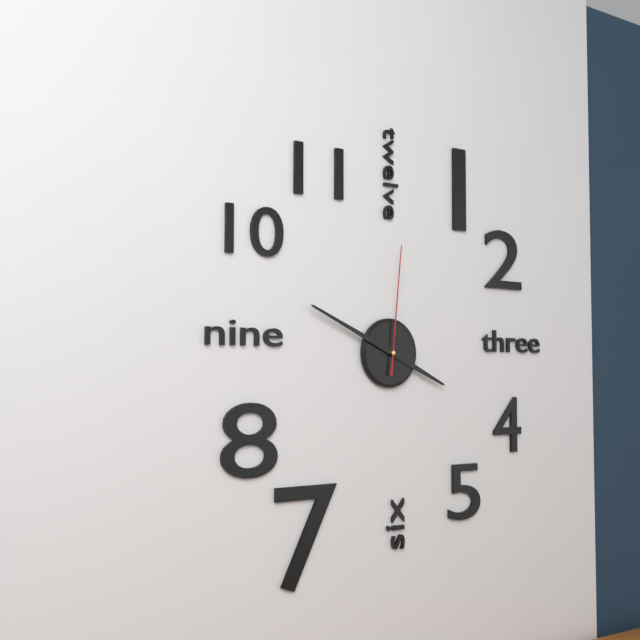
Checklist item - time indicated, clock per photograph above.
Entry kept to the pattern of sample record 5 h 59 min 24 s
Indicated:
3 h 49 min 01 s
